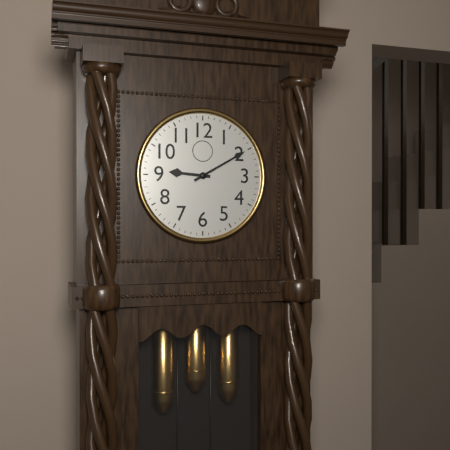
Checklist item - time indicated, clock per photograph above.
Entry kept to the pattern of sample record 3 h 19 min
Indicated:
9 h 10 min
